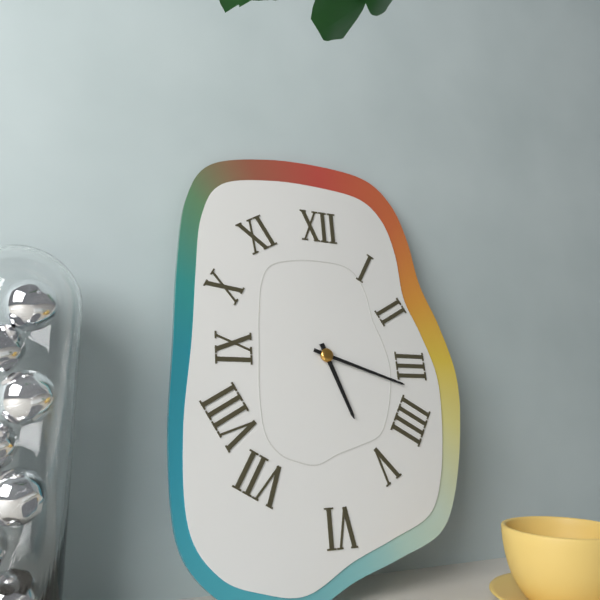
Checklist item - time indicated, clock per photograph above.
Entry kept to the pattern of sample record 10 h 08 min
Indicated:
5 h 18 min
